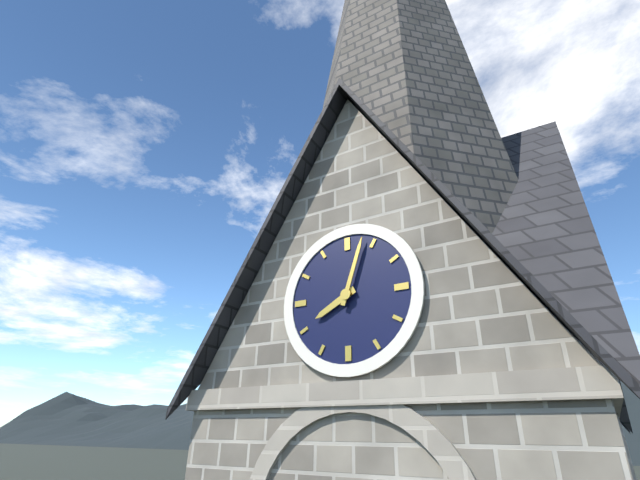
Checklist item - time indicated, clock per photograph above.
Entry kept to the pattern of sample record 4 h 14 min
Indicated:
8 h 03 min
